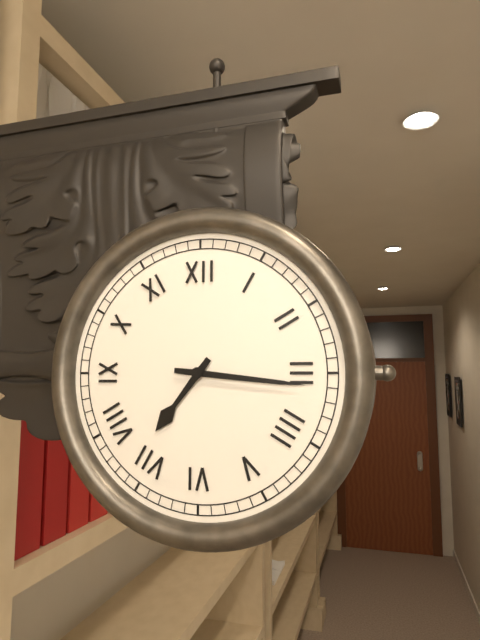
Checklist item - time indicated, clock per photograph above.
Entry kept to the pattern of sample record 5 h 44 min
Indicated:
7 h 16 min
